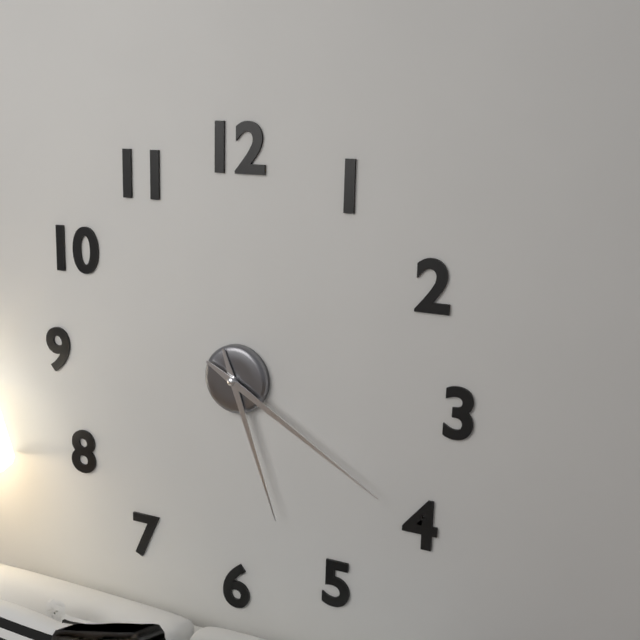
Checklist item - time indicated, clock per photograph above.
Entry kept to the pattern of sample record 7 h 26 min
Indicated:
5 h 20 min
